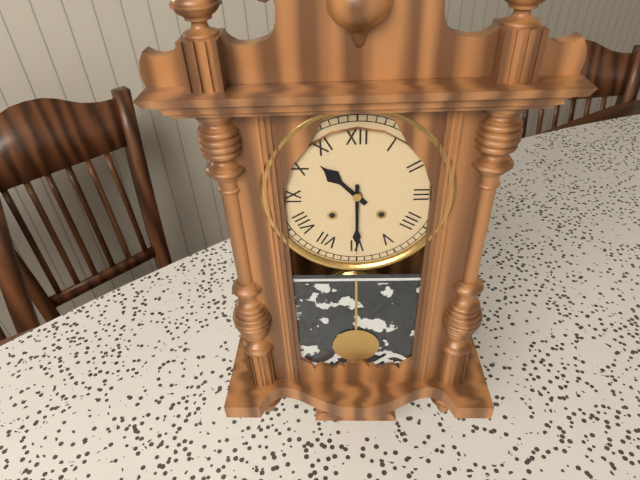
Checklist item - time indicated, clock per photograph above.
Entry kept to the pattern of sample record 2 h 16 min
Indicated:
10 h 30 min
